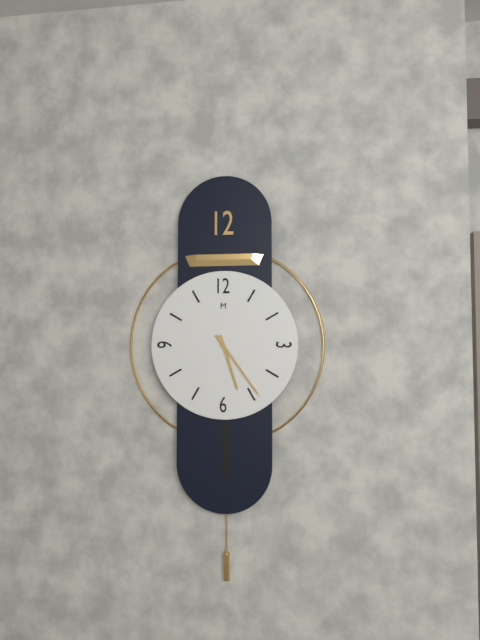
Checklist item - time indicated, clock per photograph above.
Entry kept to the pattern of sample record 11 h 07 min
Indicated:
5 h 24 min
